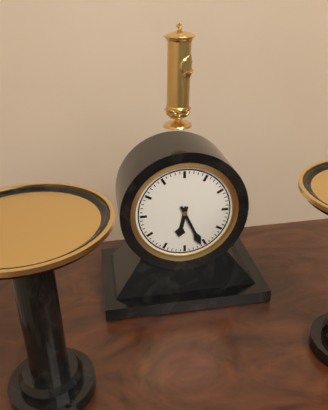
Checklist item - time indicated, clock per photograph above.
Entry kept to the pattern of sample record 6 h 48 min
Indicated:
6 h 26 min
